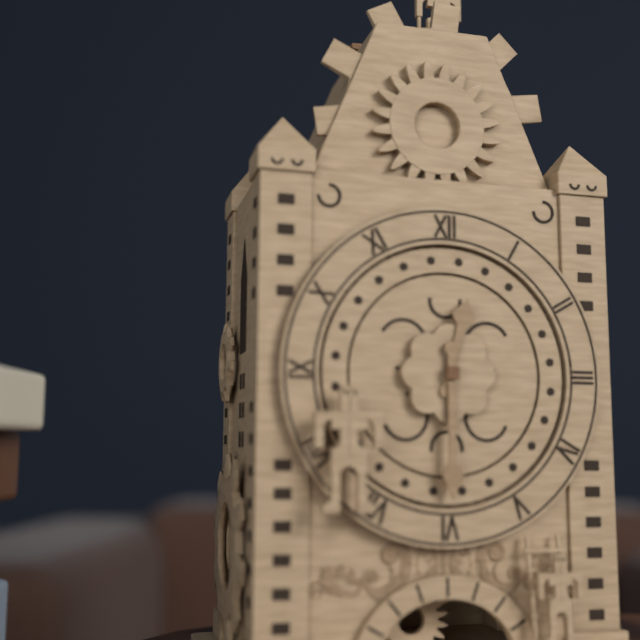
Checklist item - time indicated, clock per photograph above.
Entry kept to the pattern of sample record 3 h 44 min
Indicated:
12 h 30 min
